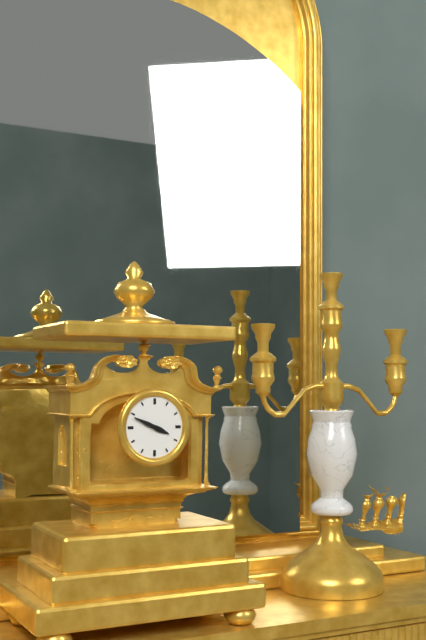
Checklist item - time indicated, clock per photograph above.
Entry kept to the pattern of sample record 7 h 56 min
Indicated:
3 h 49 min
